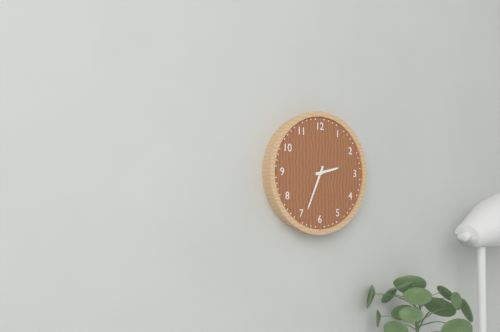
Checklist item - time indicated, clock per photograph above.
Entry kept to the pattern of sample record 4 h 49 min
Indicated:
2 h 34 min
